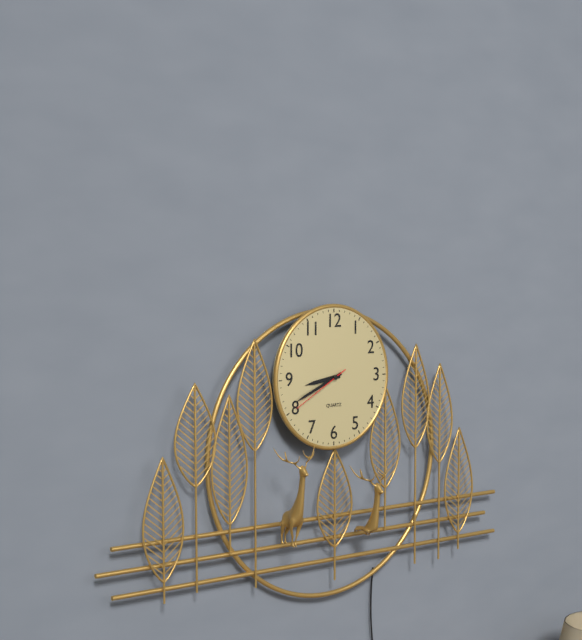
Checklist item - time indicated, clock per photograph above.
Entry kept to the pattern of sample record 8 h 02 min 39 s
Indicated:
8 h 41 min 40 s
